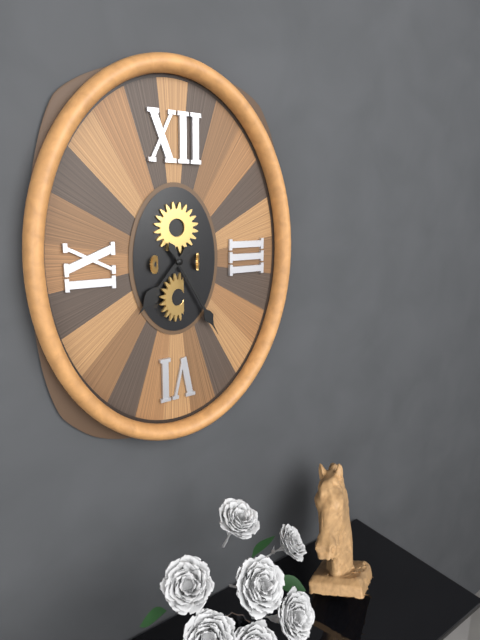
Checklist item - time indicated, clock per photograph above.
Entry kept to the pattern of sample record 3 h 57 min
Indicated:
7 h 25 min
